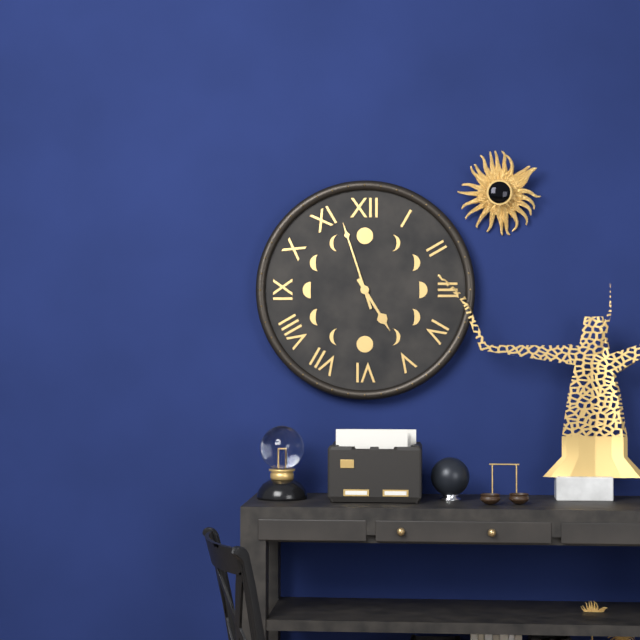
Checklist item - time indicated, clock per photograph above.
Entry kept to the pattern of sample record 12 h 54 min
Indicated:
4 h 57 min
